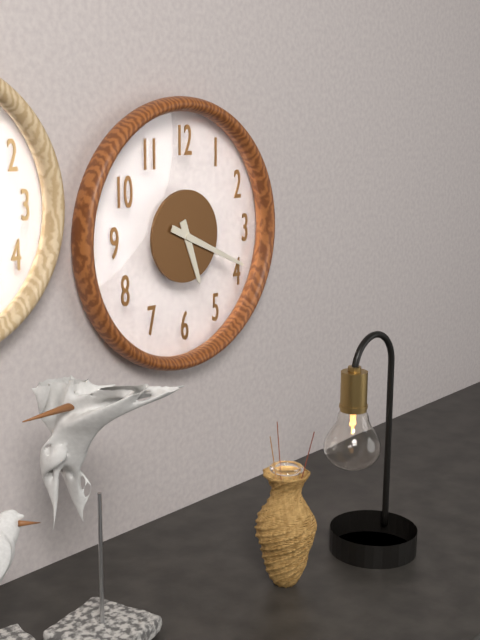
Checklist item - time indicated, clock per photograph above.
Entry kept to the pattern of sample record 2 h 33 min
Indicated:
5 h 19 min
